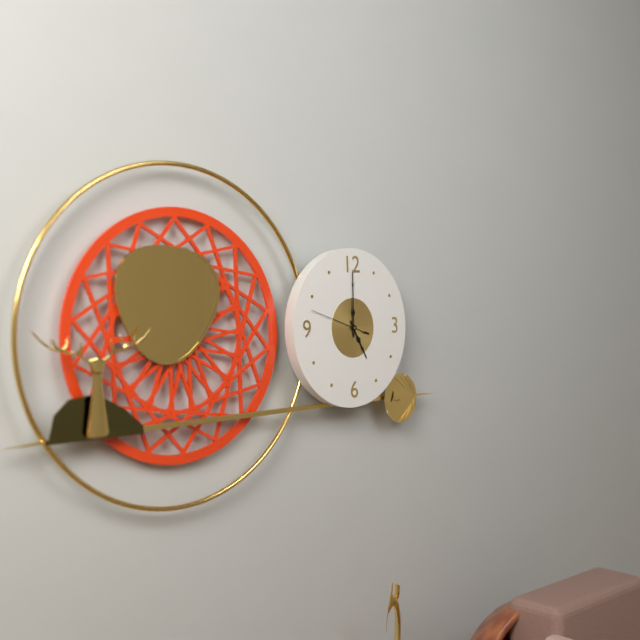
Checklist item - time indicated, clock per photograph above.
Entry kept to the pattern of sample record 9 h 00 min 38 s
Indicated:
5 h 00 min 48 s
